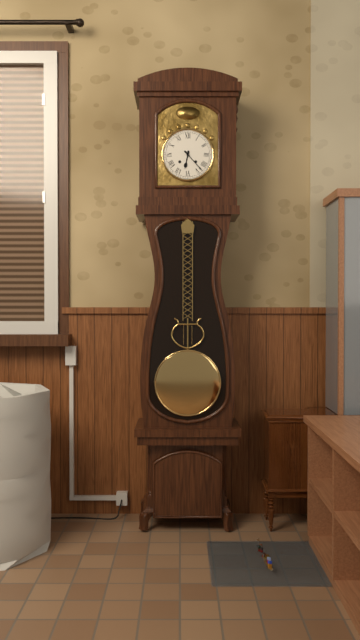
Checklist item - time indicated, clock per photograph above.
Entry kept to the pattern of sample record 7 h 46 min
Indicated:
6 h 23 min
